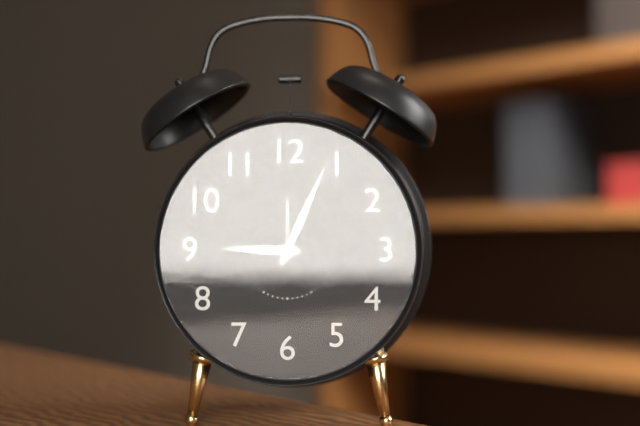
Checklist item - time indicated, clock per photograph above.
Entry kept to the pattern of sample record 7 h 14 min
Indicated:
9 h 04 min
